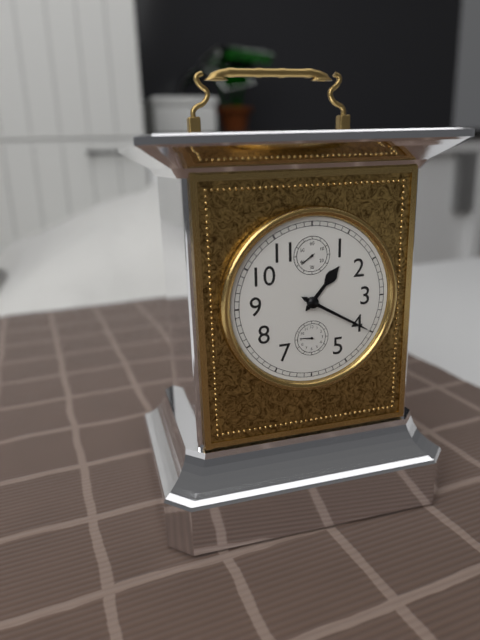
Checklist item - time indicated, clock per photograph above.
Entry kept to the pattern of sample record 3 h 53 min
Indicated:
1 h 20 min
